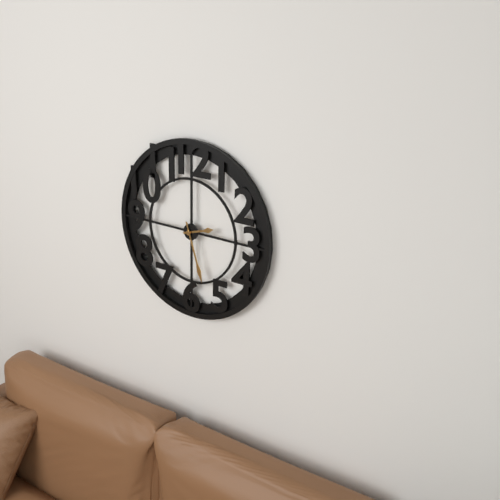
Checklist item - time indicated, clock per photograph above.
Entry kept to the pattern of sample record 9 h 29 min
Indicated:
2 h 27 min
